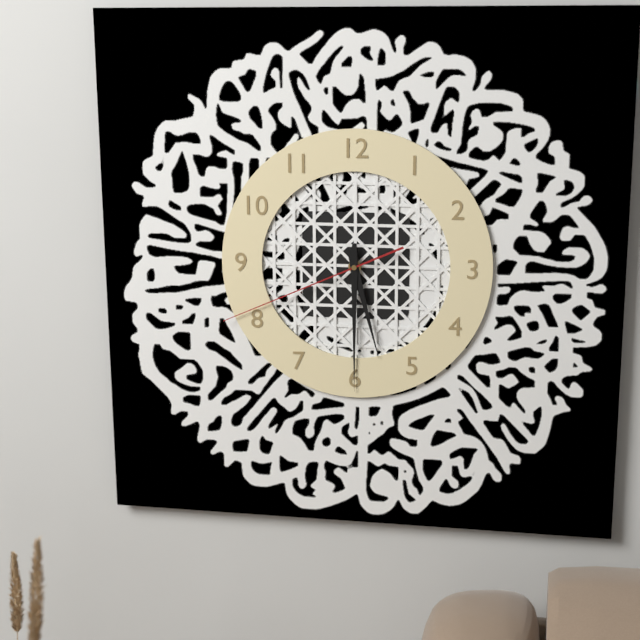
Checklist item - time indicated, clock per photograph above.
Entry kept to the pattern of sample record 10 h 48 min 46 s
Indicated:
5 h 30 min 41 s
